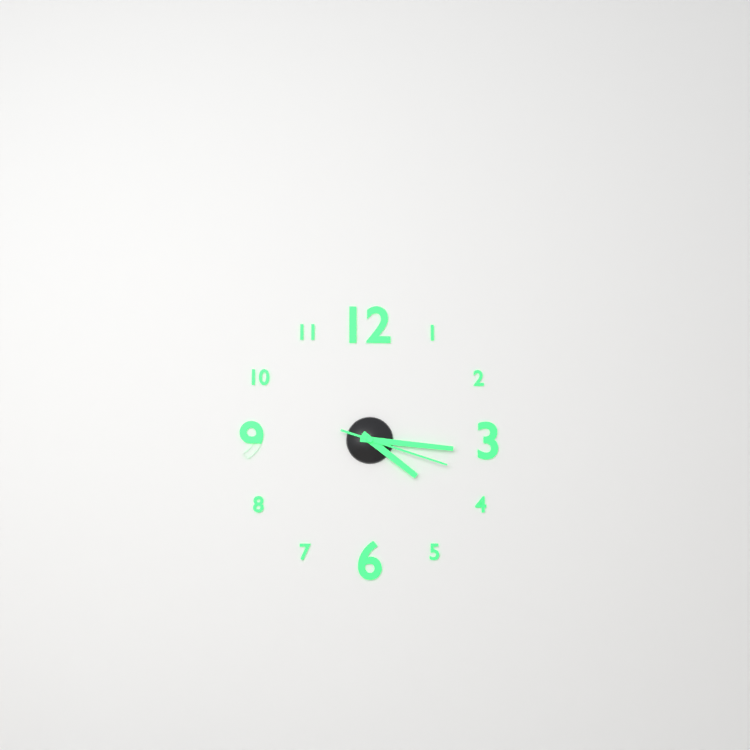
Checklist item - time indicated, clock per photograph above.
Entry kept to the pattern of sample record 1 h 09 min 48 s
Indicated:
4 h 16 min 18 s
